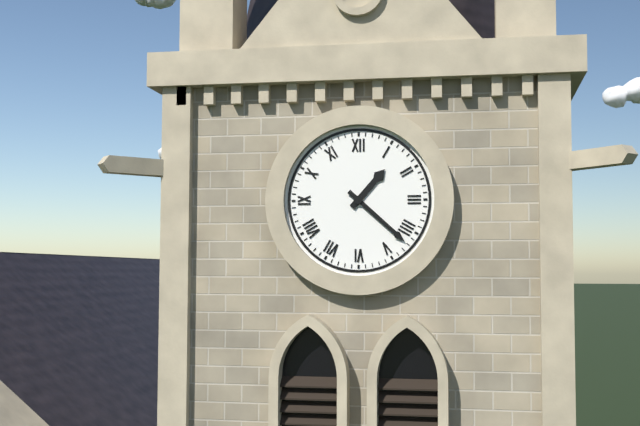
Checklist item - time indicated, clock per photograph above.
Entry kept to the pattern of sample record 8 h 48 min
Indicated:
1 h 22 min
